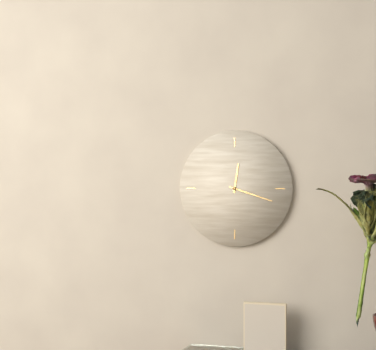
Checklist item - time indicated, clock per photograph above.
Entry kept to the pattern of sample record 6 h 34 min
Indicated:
12 h 18 min
